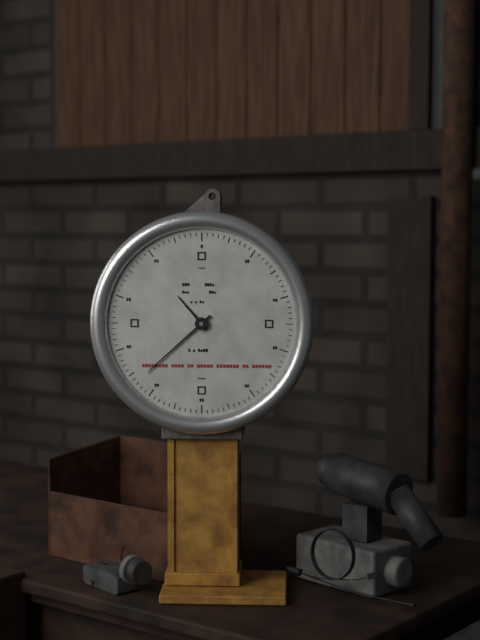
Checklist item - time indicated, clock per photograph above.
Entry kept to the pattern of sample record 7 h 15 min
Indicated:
10 h 38 min
